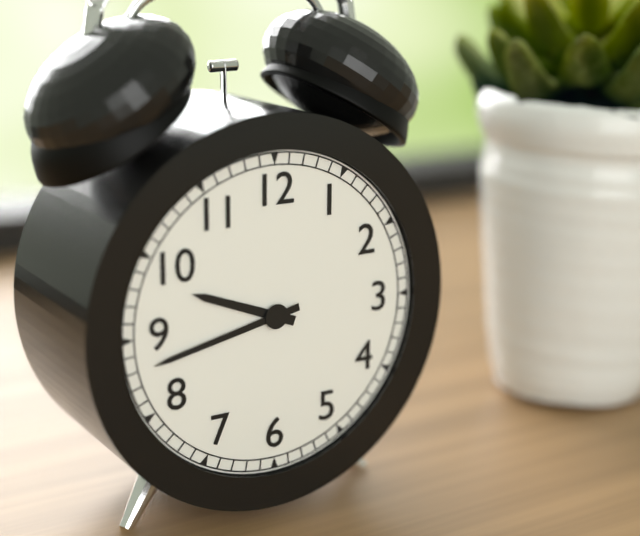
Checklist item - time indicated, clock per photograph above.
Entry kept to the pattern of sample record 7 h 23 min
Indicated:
9 h 43 min
